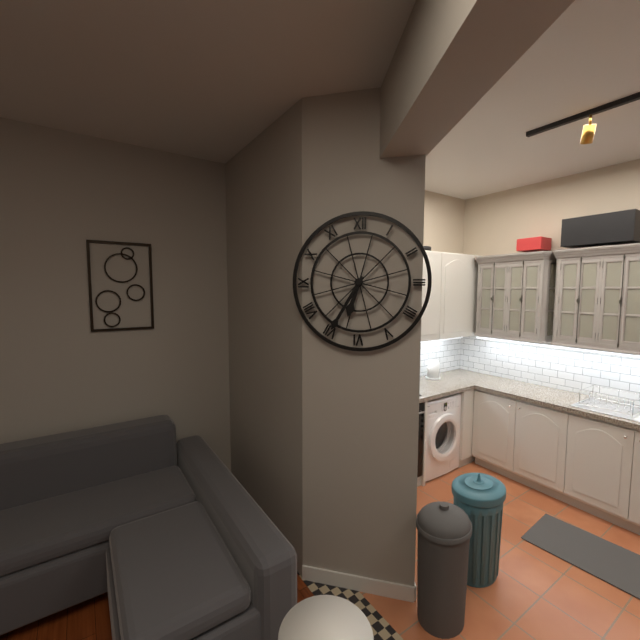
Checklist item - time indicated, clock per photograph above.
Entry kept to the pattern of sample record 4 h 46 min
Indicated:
6 h 35 min
